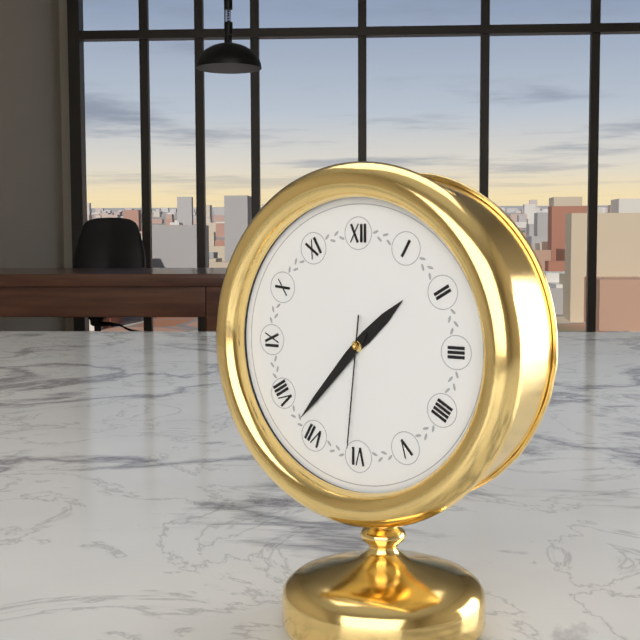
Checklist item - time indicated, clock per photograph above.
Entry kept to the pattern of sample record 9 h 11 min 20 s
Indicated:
1 h 37 min 31 s
